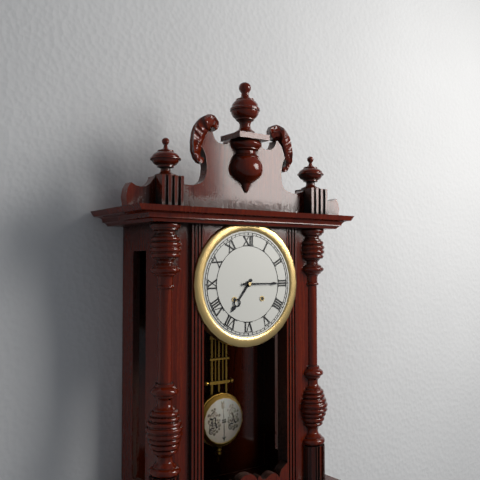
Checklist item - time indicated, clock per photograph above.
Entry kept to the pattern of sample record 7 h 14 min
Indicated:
7 h 15 min
